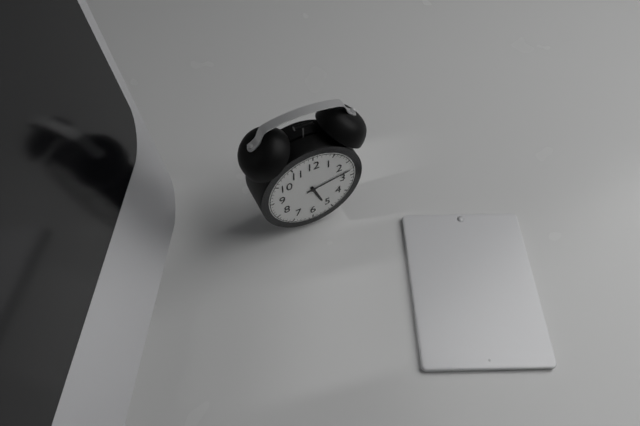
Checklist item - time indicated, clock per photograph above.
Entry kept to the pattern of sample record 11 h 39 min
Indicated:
5 h 13 min
